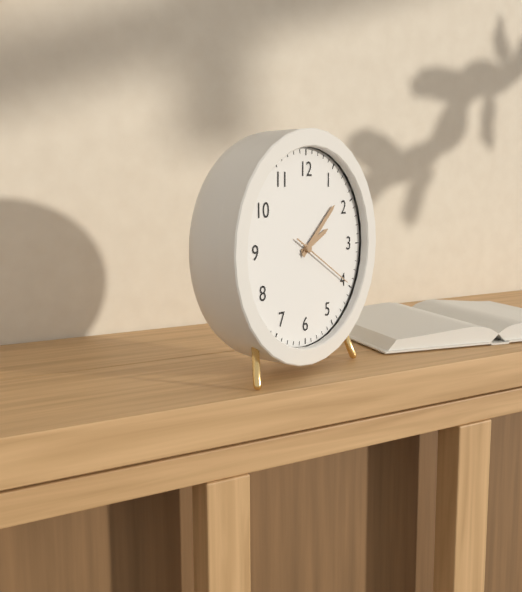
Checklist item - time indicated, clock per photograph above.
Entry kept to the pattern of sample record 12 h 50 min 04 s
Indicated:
2 h 08 min 20 s
